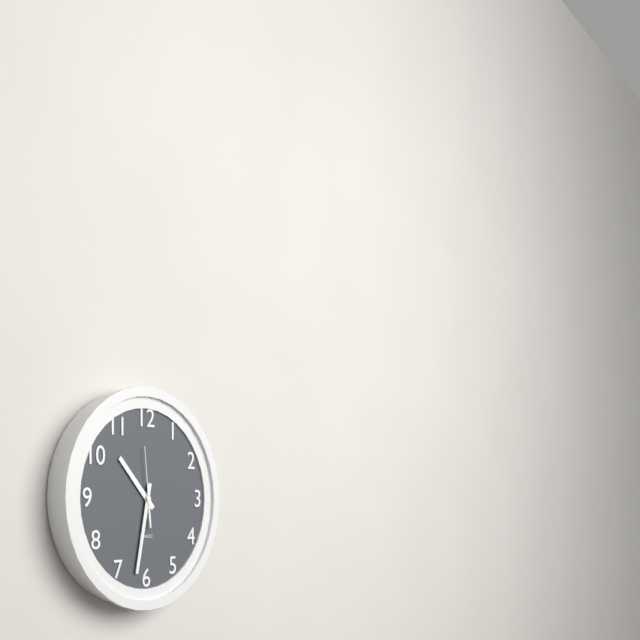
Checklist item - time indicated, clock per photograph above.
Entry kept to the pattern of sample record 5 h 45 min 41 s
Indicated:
10 h 32 min 59 s
